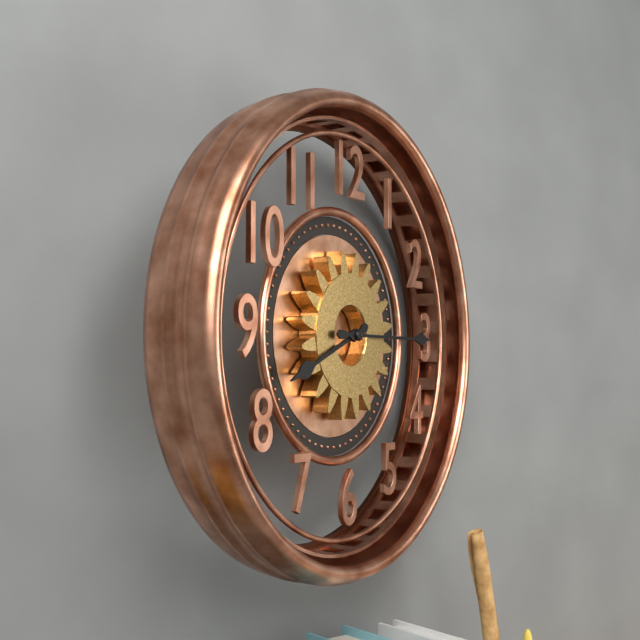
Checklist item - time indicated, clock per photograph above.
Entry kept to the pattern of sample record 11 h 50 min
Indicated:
8 h 15 min
